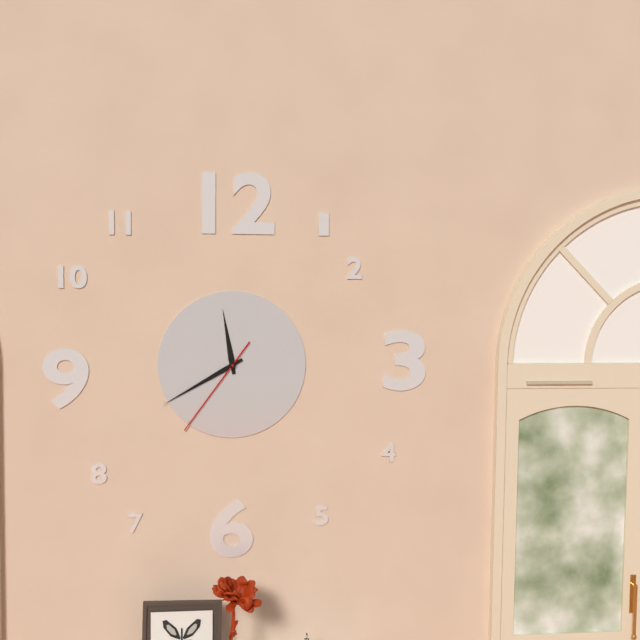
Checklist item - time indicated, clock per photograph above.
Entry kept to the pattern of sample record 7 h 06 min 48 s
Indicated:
11 h 40 min 36 s
